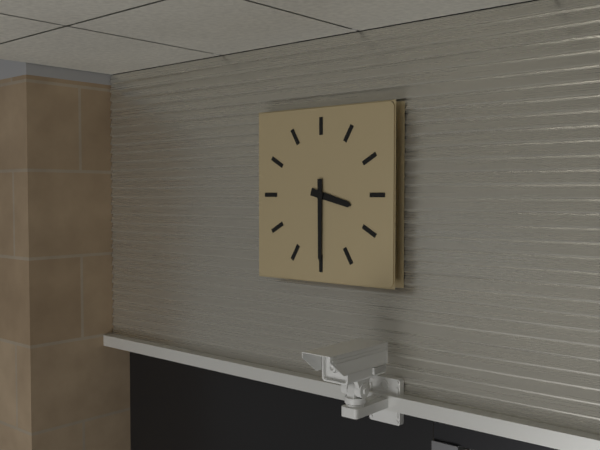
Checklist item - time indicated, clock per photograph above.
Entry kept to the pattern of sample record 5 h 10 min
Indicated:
3 h 30 min
